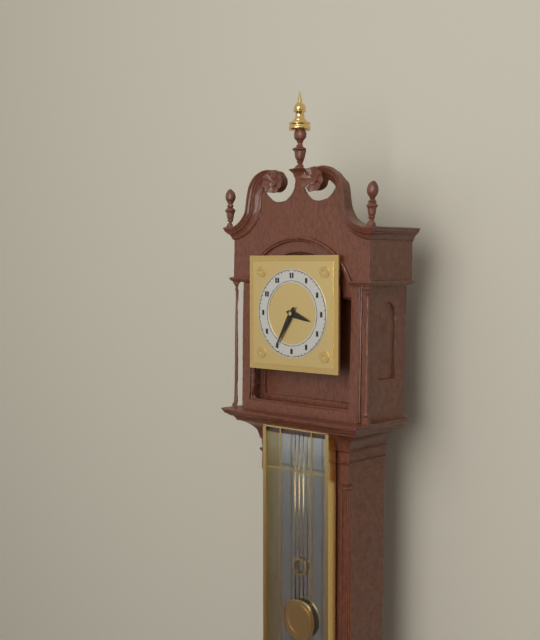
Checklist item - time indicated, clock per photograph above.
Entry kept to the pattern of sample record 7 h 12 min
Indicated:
3 h 35 min
